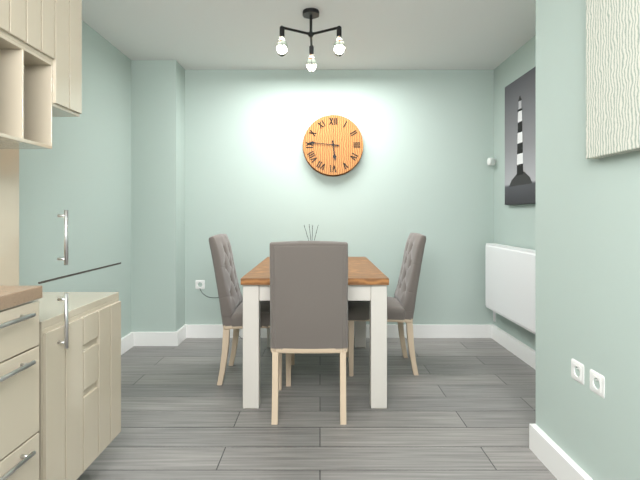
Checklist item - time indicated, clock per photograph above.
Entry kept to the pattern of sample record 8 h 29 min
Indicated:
5 h 46 min
